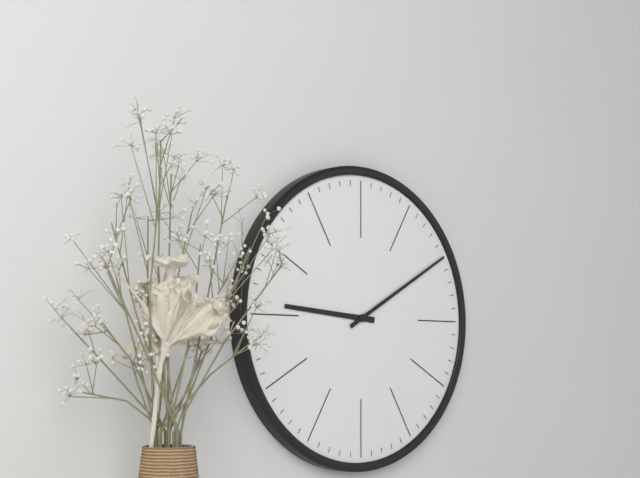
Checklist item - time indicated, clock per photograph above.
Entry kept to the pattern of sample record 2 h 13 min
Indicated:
9 h 10 min
